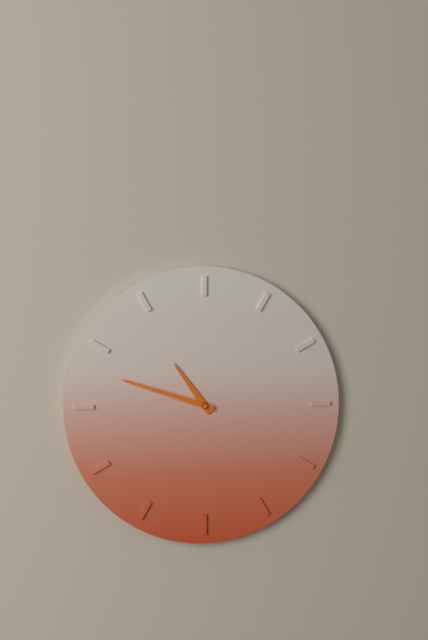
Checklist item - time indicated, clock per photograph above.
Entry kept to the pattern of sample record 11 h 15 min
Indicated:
10 h 48 min
